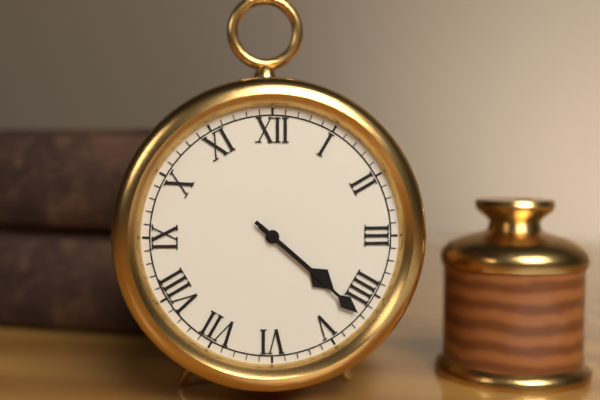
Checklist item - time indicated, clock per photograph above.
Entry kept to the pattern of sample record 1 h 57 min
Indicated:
4 h 22 min
